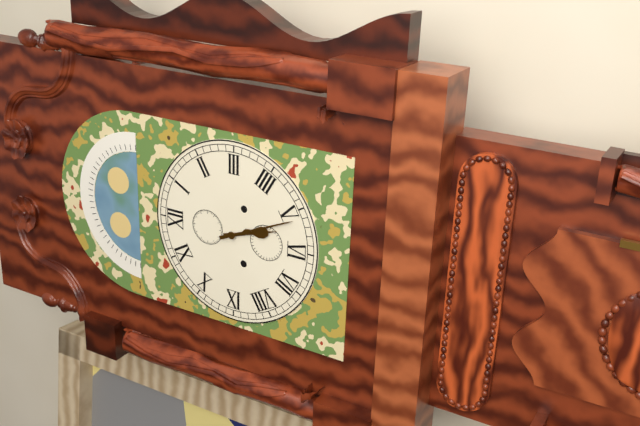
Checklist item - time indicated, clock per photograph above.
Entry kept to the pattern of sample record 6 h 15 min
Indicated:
5 h 26 min
